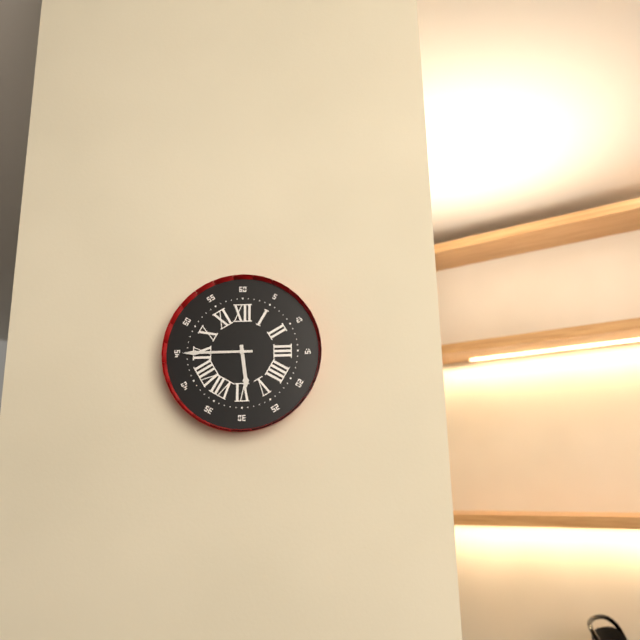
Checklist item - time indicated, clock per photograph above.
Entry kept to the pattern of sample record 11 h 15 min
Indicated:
5 h 45 min
